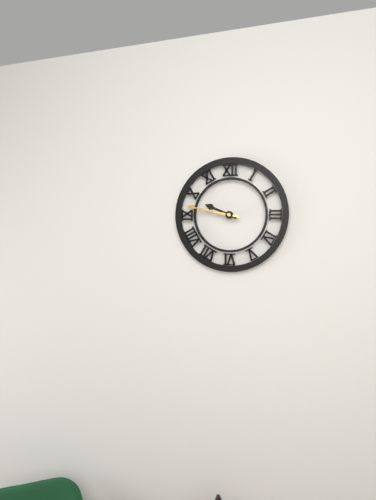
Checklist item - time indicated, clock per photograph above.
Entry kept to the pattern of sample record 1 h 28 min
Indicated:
9 h 47 min
